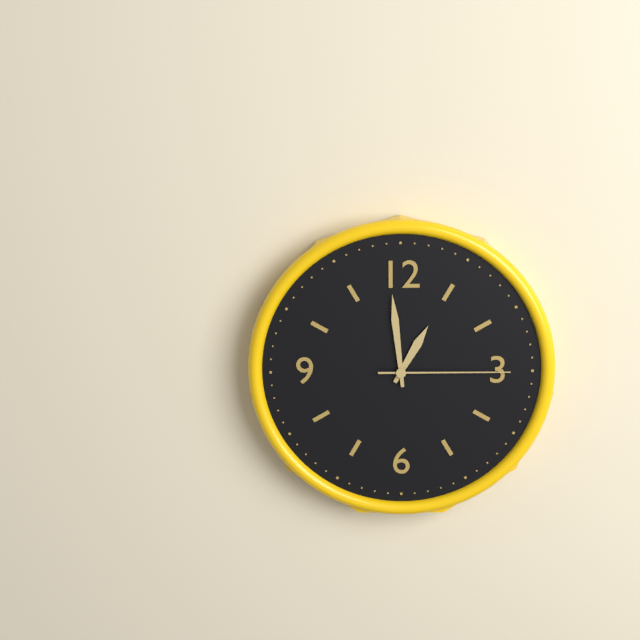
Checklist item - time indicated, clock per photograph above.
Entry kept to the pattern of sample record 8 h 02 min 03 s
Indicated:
12 h 59 min 15 s
